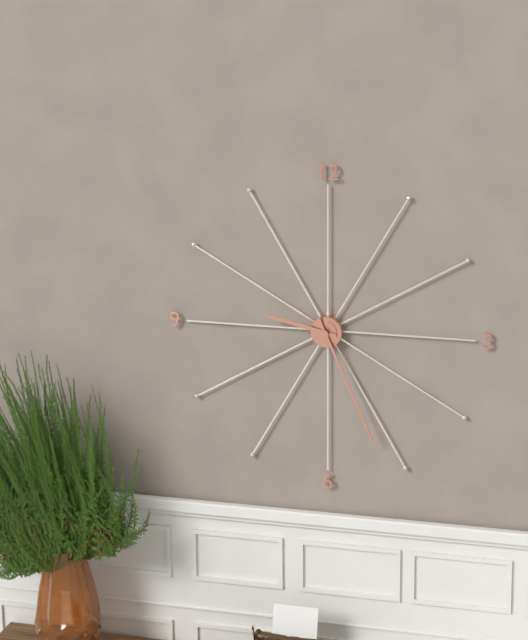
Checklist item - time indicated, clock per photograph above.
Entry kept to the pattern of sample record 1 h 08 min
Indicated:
9 h 26 min
